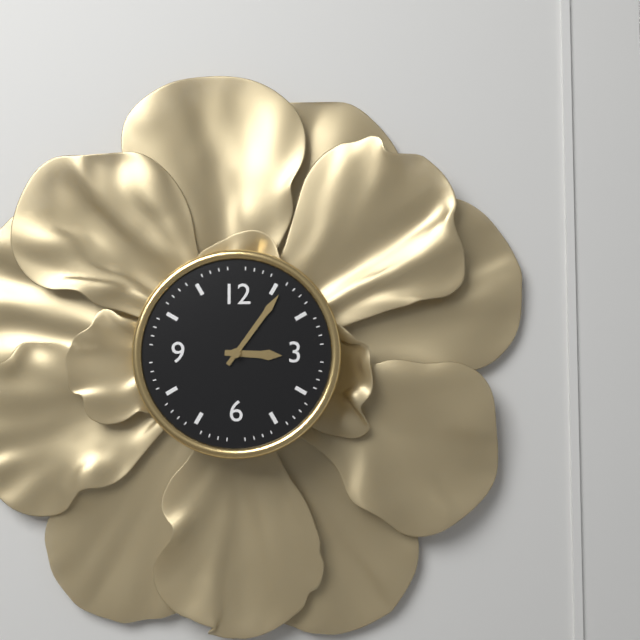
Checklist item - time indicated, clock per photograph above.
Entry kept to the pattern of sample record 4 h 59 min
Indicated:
3 h 06 min
